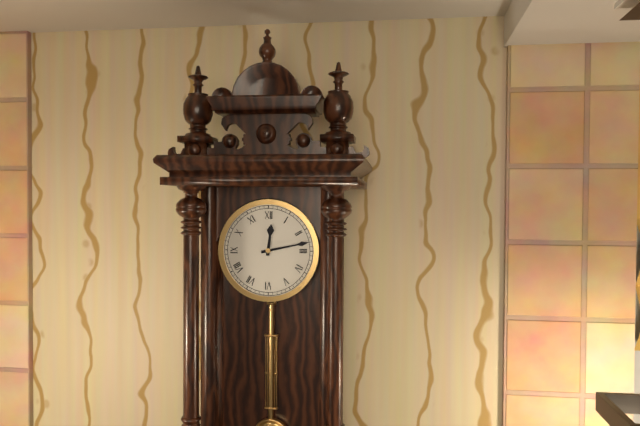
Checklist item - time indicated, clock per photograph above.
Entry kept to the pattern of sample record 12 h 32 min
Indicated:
12 h 13 min
